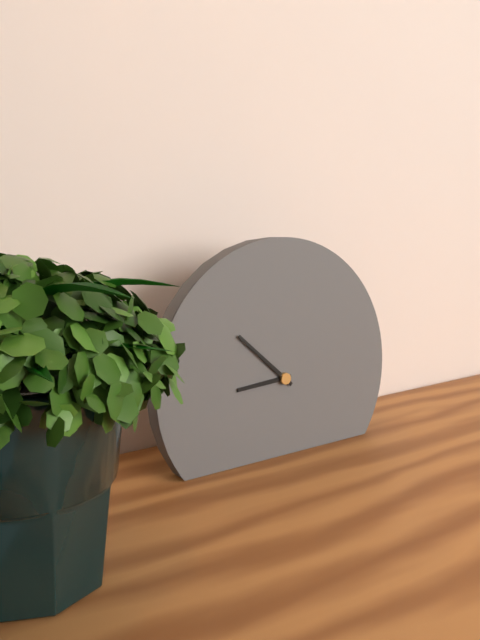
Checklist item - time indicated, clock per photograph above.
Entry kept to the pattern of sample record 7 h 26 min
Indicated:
8 h 52 min
